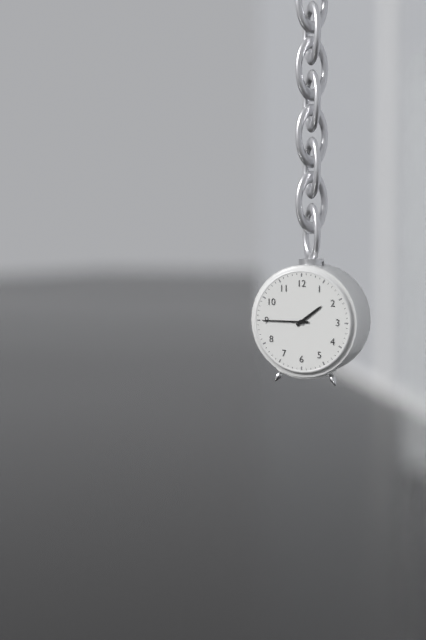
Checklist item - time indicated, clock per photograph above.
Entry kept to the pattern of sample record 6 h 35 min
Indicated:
1 h 45 min
